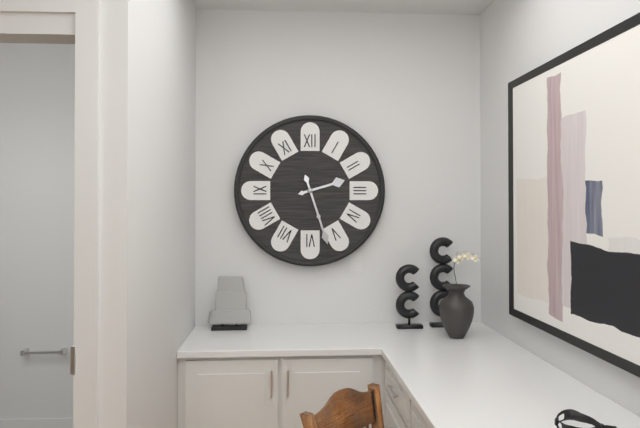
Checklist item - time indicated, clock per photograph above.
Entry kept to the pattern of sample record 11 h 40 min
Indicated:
2 h 27 min
